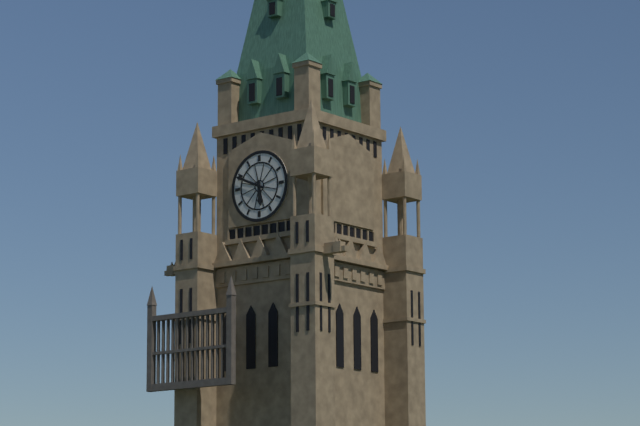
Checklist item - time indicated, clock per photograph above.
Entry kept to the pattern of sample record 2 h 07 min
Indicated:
5 h 49 min
